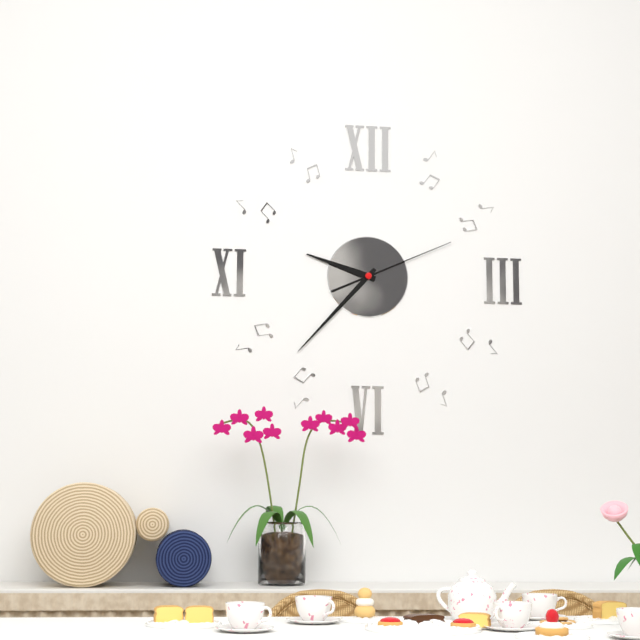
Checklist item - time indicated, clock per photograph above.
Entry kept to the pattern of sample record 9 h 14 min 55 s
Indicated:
9 h 37 min 11 s
